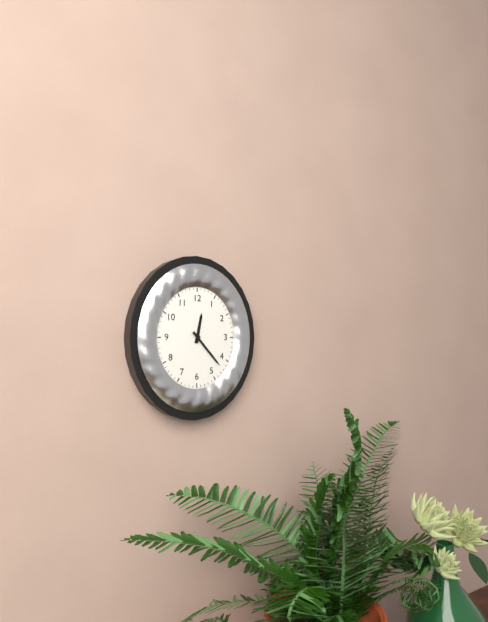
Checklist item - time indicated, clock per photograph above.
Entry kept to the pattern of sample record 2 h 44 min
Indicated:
12 h 23 min
